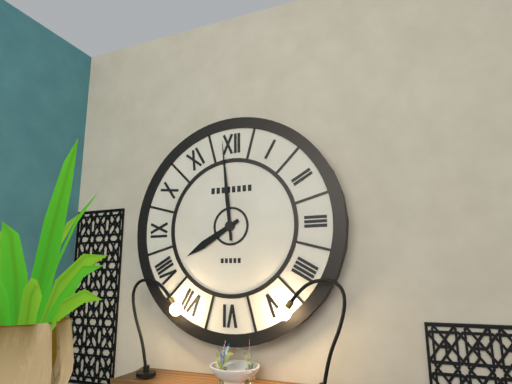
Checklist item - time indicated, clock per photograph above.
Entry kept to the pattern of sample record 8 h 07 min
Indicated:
7 h 59 min
